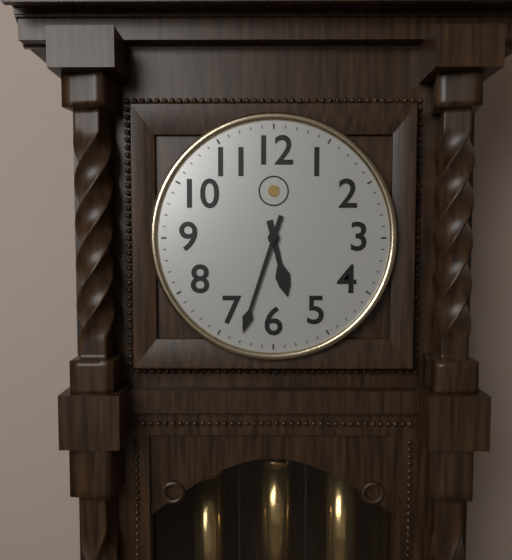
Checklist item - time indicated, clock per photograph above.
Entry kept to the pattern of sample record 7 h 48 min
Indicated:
5 h 33 min
